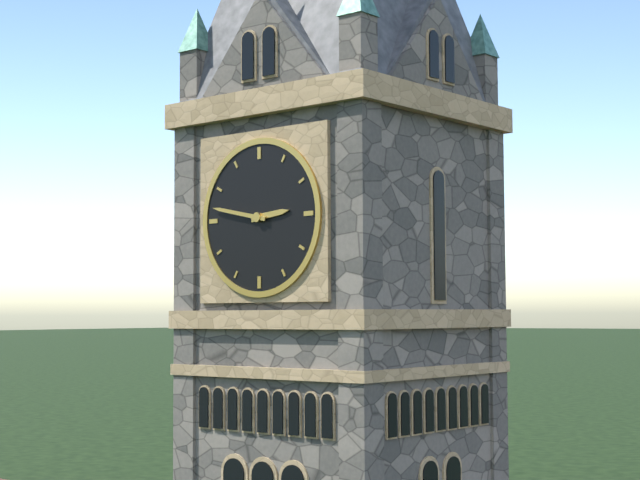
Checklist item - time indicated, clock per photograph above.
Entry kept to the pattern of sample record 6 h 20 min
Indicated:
2 h 47 min
